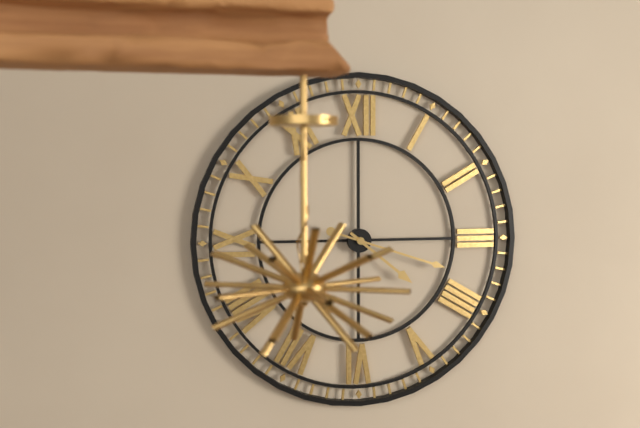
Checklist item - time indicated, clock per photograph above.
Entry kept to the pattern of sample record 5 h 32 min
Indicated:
4 h 18 min
